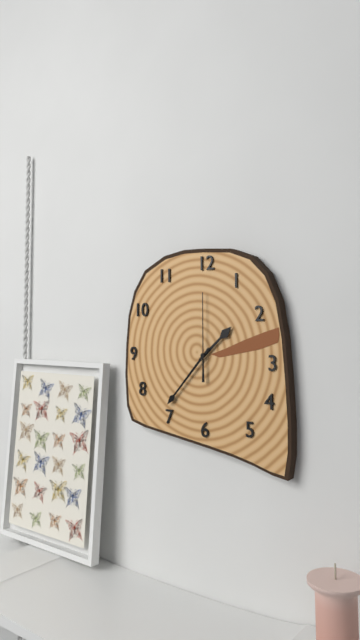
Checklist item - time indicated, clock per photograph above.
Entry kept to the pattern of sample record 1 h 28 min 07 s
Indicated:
1 h 37 min 00 s
